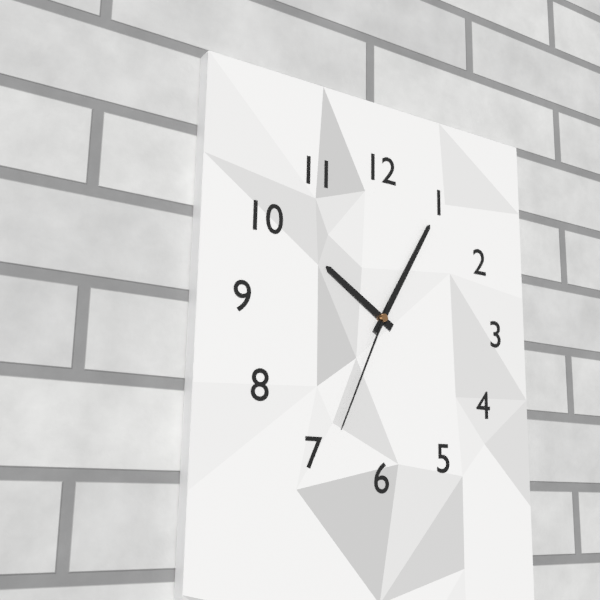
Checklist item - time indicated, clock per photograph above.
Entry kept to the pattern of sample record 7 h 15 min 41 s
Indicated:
10 h 05 min 34 s
